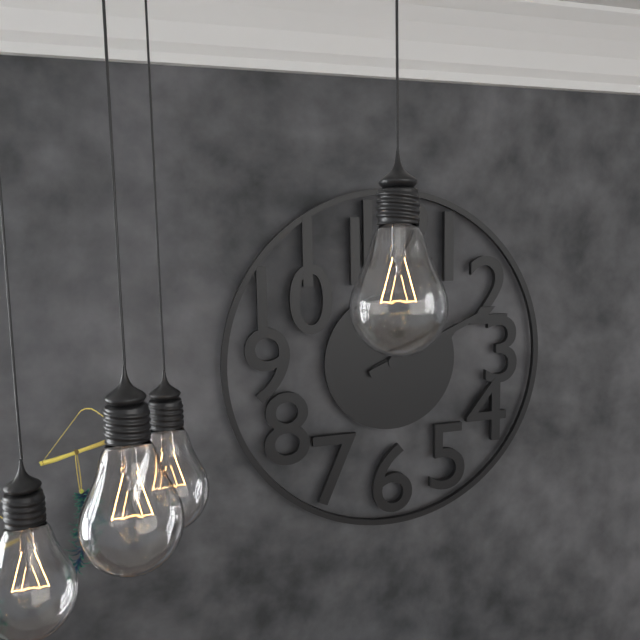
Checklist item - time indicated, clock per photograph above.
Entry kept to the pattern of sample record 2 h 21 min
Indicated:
2 h 11 min
